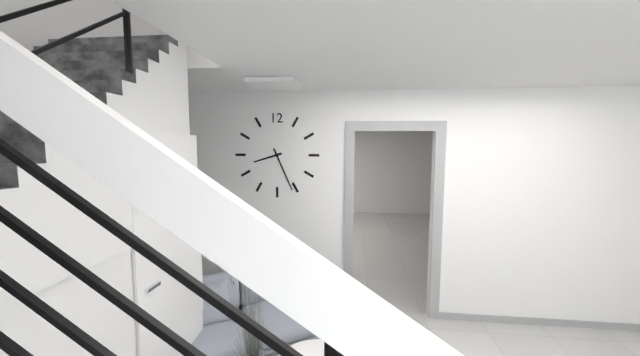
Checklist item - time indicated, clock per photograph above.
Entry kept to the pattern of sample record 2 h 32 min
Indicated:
8 h 26 min
